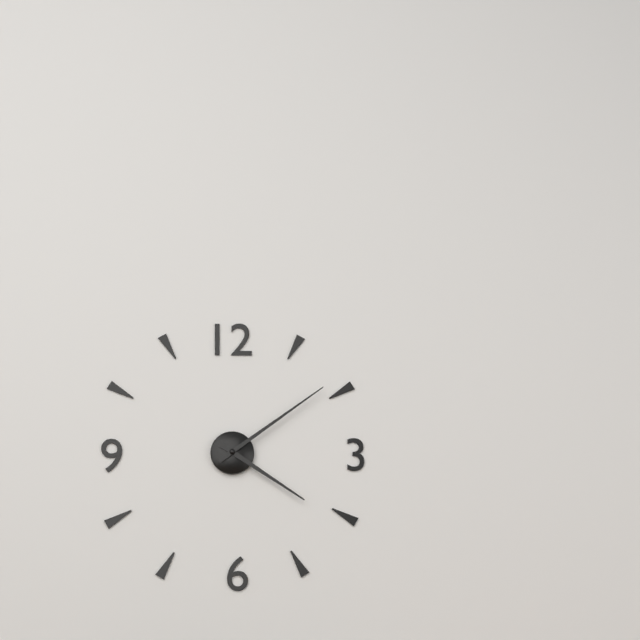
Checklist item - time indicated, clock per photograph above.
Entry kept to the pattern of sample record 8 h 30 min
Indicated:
4 h 09 min
